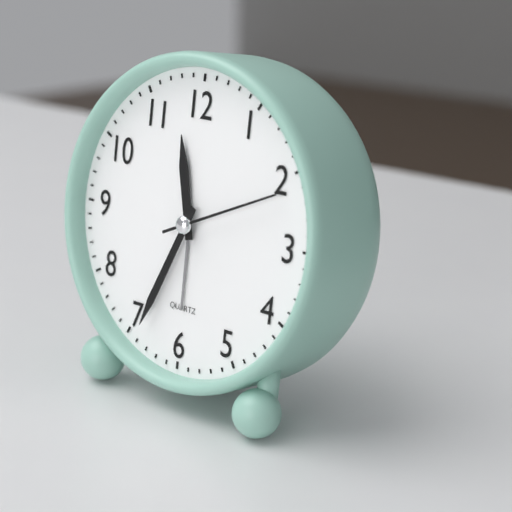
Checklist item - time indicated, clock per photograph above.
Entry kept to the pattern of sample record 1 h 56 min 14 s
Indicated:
11 h 34 min 11 s
